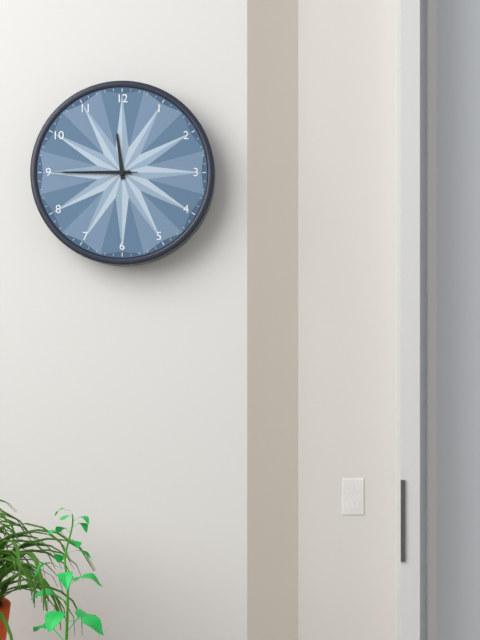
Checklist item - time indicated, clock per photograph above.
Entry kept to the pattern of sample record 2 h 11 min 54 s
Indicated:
11 h 45 min 45 s
